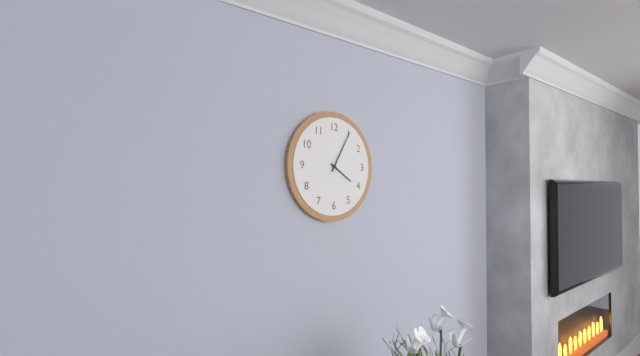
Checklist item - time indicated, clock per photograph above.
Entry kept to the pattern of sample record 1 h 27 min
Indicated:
4 h 05 min
